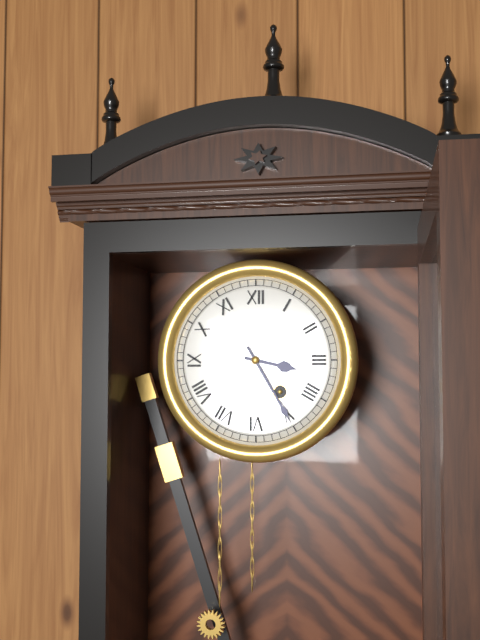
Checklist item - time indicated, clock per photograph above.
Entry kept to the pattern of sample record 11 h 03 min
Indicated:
3 h 25 min
